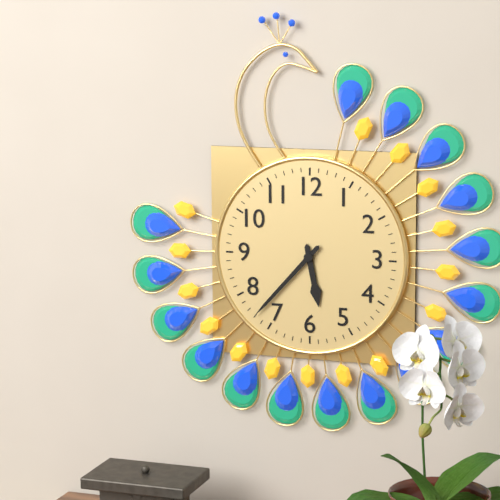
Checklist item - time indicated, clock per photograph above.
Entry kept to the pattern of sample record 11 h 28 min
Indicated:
5 h 37 min
